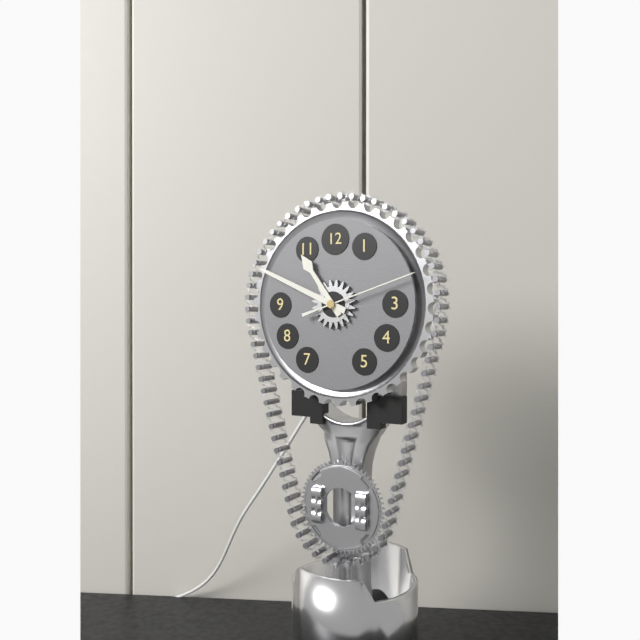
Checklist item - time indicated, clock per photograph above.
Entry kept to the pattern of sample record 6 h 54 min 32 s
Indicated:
10 h 49 min 12 s
